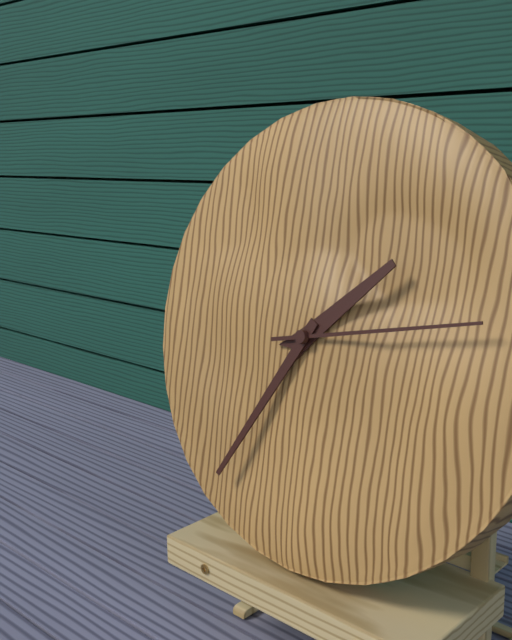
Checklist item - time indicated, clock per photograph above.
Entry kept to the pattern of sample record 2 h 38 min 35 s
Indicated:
1 h 35 min 13 s
